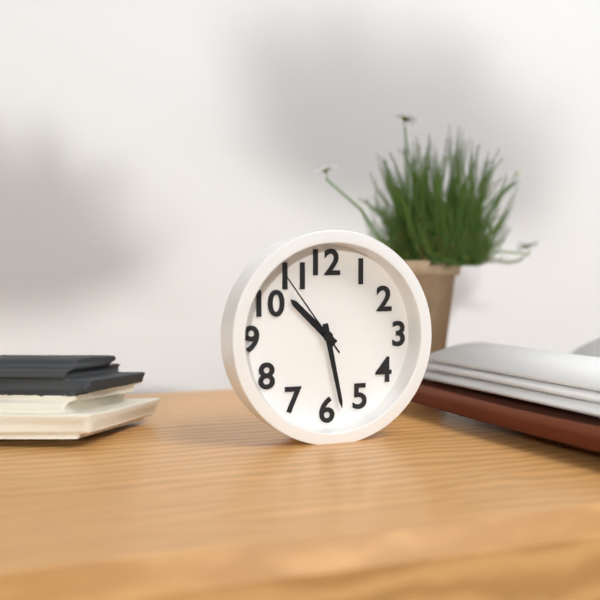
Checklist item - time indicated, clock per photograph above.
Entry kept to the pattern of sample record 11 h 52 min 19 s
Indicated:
10 h 28 min 54 s
